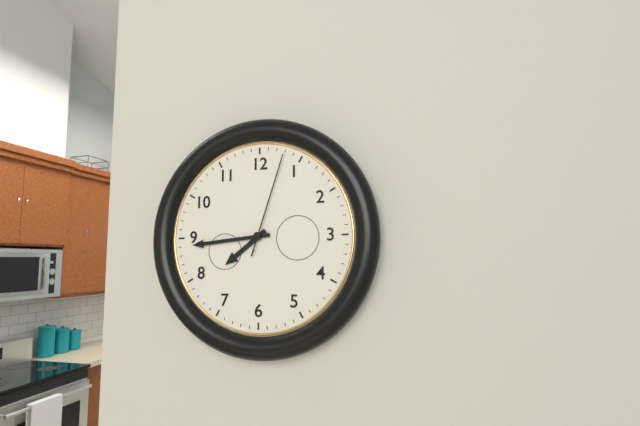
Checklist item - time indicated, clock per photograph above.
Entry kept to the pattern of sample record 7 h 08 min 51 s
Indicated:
7 h 44 min 03 s
